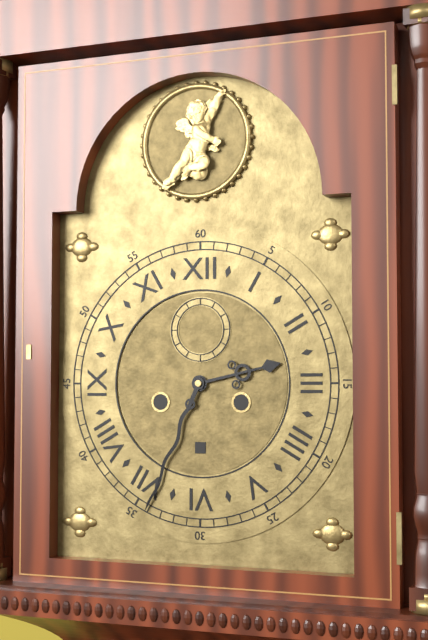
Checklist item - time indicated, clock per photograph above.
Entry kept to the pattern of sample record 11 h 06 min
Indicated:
2 h 34 min
